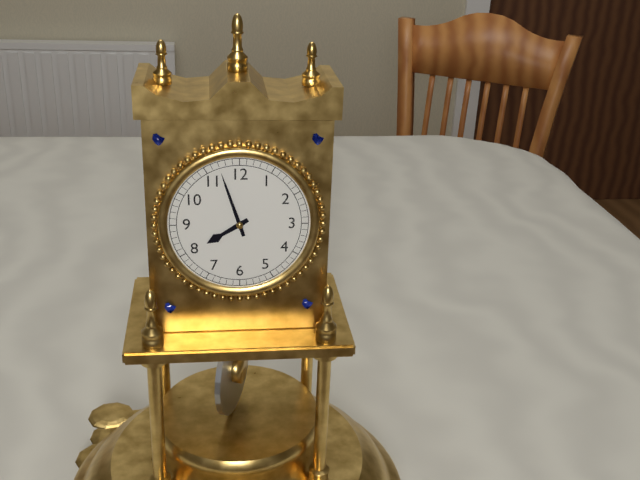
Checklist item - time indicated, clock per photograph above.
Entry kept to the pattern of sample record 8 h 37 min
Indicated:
7 h 57 min
